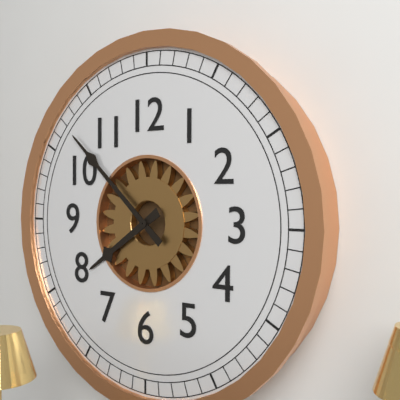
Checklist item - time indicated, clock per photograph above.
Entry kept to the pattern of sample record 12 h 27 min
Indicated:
7 h 52 min
